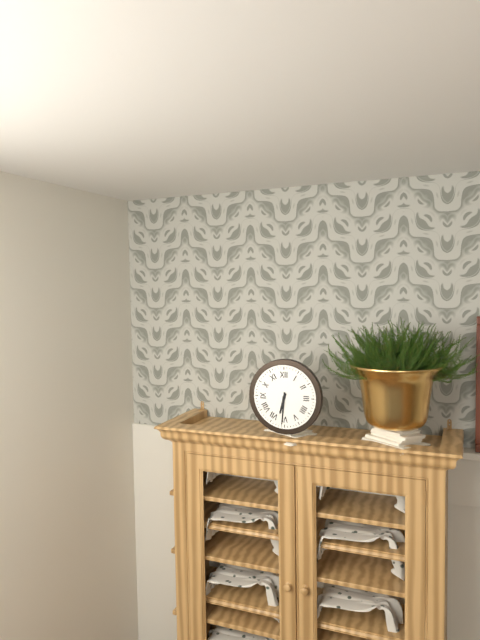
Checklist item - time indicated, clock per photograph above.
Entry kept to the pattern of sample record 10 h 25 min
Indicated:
6 h 31 min
